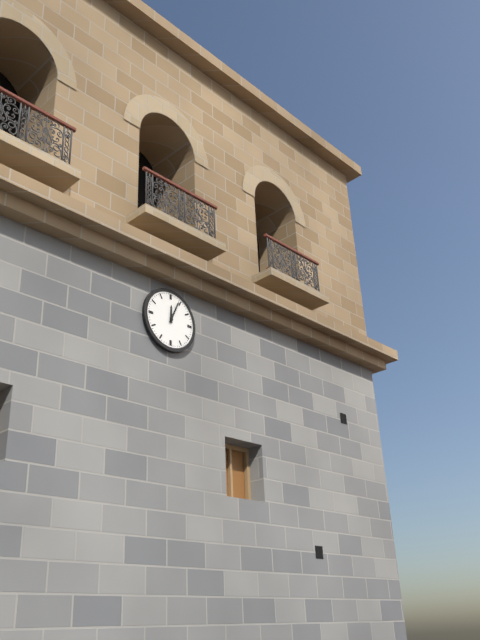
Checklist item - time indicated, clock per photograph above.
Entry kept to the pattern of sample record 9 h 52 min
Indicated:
12 h 04 min
